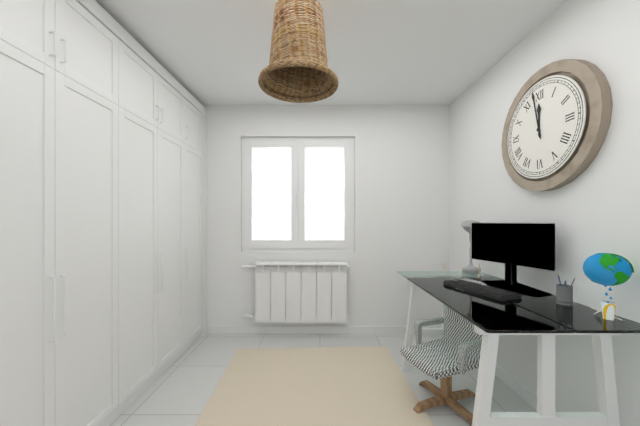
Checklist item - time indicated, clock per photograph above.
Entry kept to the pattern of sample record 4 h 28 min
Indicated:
11 h 58 min
